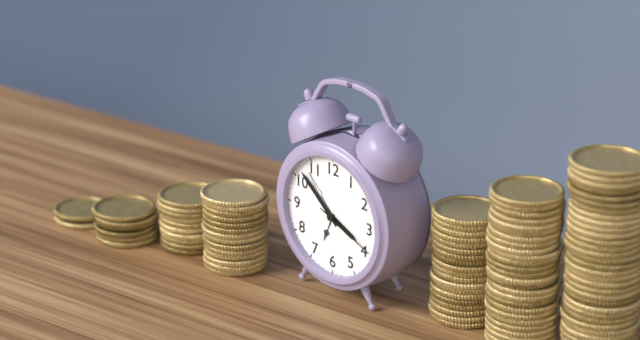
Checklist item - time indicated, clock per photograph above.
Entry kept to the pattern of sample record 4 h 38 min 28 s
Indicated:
3 h 52 min 19 s
